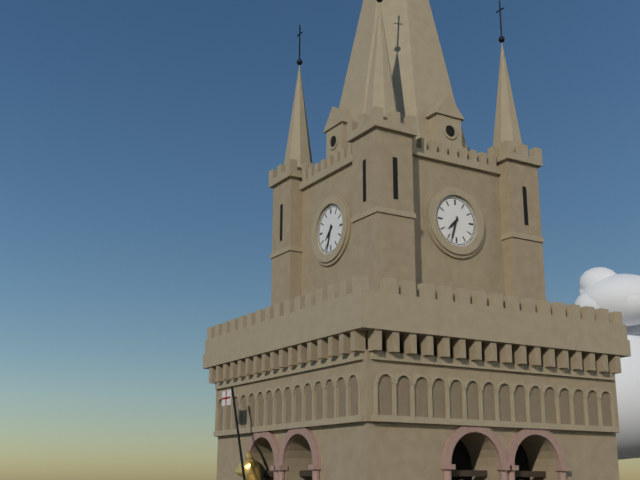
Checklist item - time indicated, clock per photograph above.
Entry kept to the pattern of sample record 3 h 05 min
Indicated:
7 h 33 min
